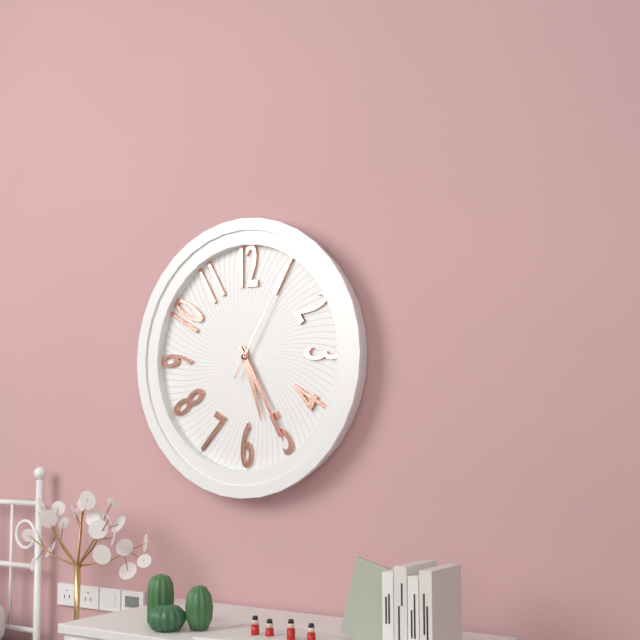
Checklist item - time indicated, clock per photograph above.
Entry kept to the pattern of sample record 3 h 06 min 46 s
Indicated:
5 h 25 min 05 s
